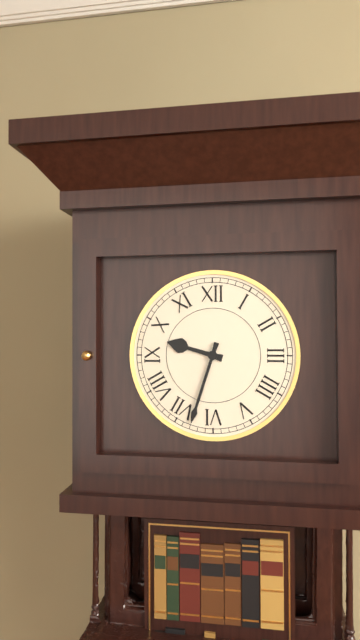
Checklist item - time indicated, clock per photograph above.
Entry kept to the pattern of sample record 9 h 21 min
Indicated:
9 h 33 min
